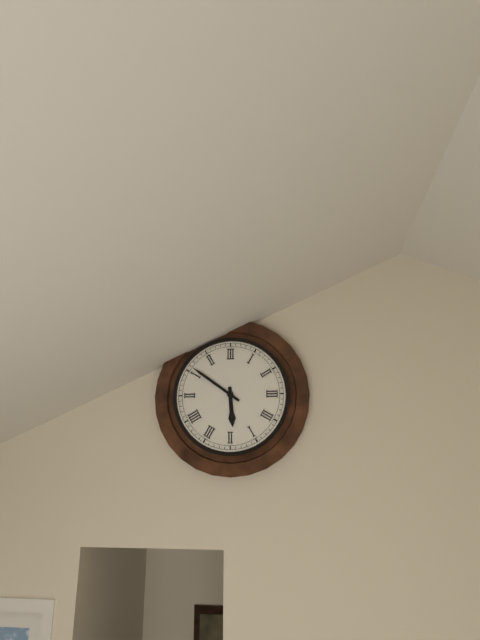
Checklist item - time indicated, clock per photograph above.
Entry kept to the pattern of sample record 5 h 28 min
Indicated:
5 h 51 min
